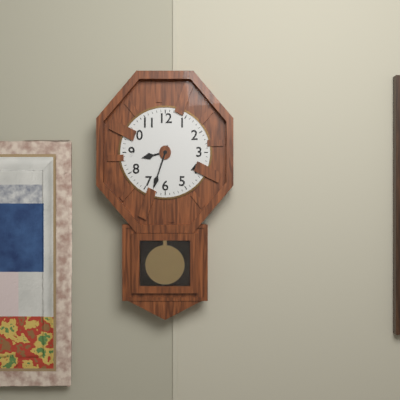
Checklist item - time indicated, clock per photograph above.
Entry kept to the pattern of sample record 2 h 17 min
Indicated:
8 h 33 min
